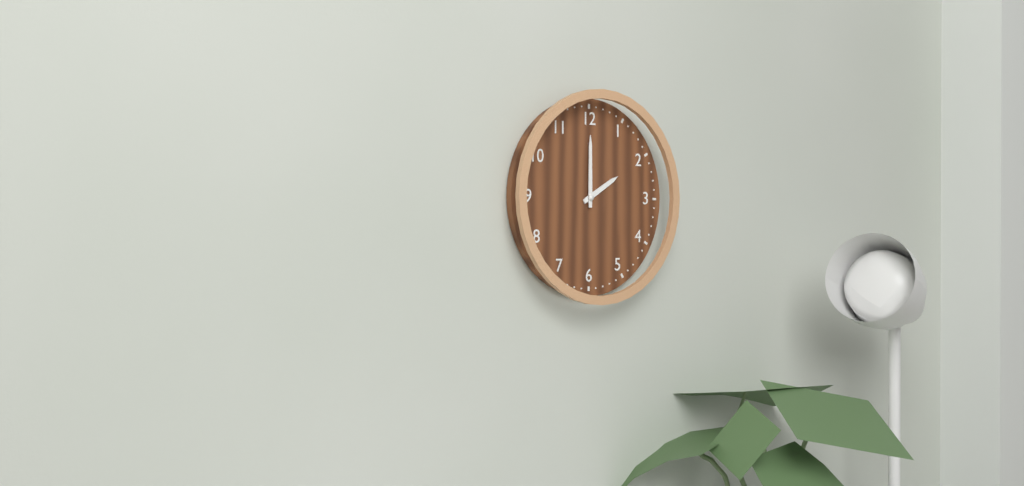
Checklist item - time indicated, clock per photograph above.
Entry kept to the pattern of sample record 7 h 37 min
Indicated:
2 h 00 min
